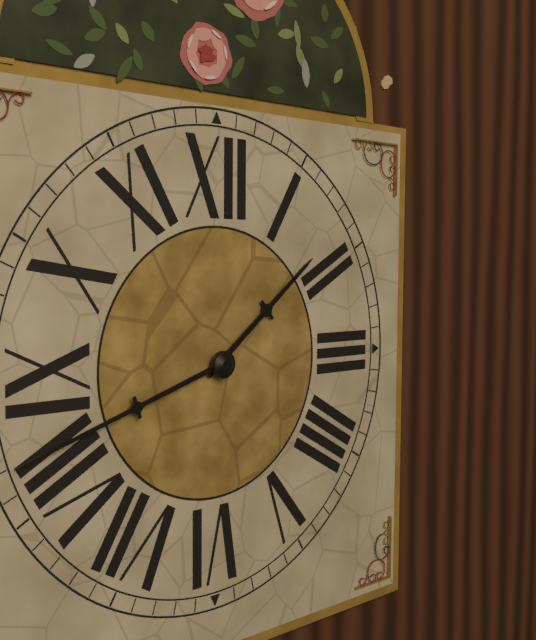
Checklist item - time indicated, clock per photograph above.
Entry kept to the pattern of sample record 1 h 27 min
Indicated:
1 h 42 min
